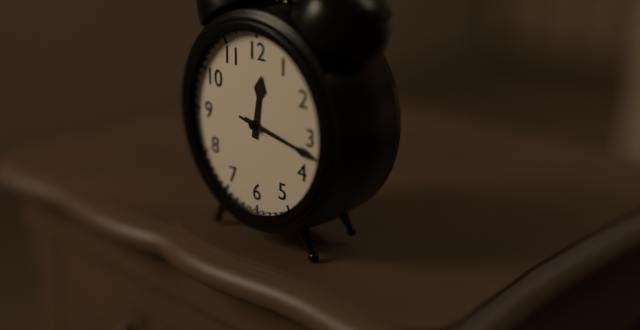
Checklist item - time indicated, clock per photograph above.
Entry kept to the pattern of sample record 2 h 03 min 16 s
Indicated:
12 h 17 min 17 s
